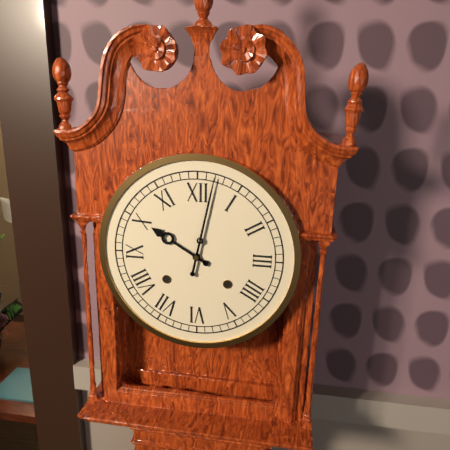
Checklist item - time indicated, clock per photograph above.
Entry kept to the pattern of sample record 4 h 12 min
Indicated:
10 h 02 min
